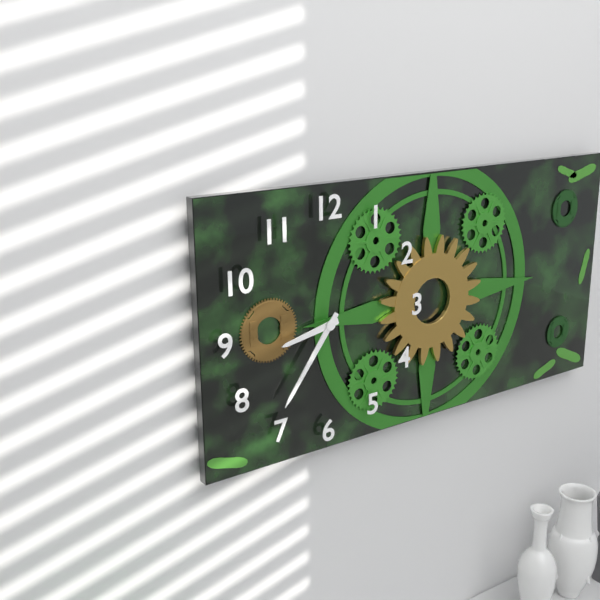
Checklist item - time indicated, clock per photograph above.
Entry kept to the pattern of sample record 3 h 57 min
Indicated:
8 h 36 min
